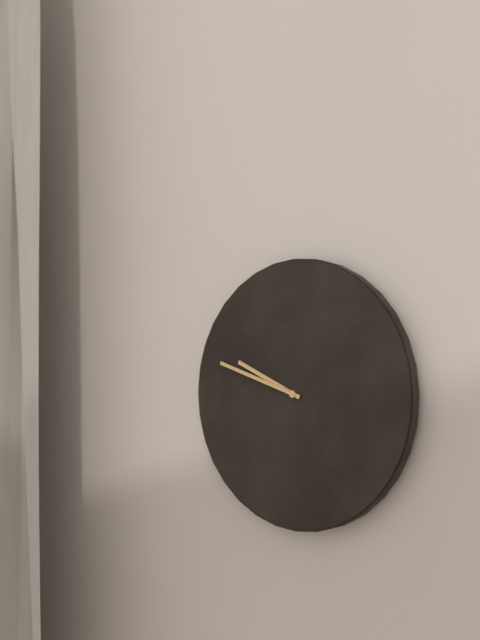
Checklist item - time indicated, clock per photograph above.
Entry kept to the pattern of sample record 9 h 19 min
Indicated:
9 h 48 min
